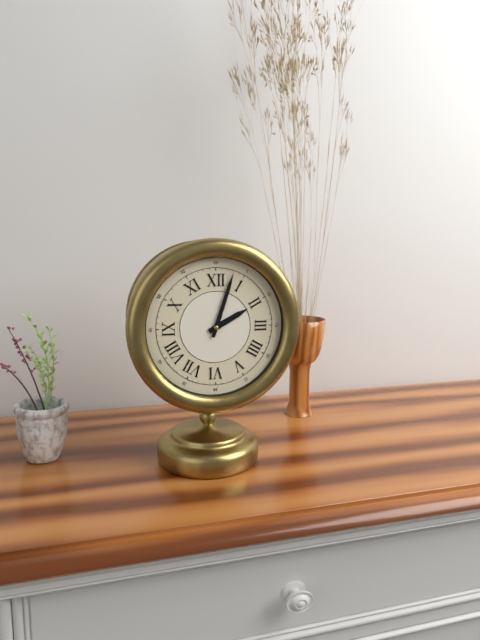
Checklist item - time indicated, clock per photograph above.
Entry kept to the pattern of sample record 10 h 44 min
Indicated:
2 h 03 min
